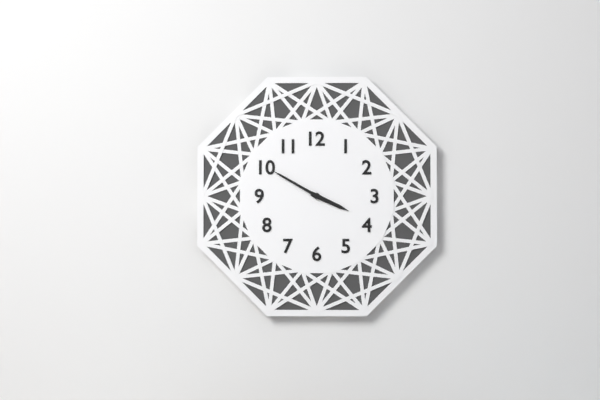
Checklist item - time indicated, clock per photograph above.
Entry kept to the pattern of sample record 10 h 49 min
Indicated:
3 h 50 min
